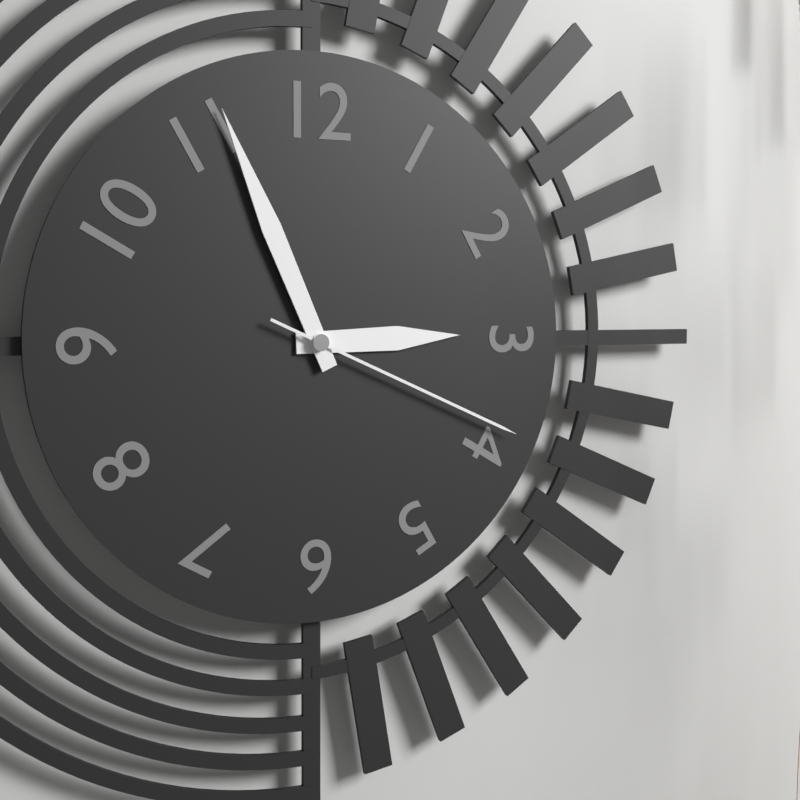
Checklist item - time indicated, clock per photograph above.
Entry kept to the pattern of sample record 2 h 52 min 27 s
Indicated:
2 h 56 min 19 s
